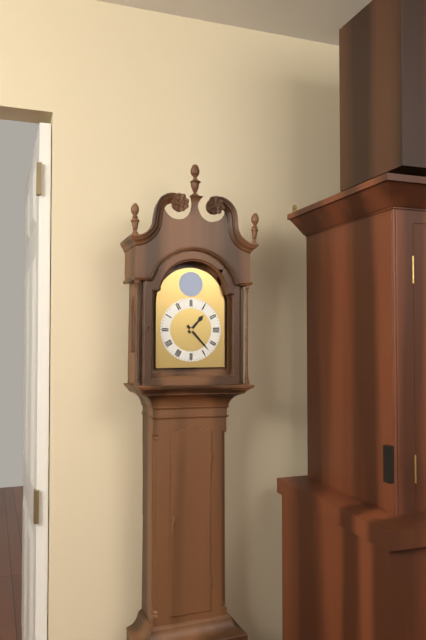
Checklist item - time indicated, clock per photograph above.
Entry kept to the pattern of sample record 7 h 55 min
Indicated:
1 h 23 min
